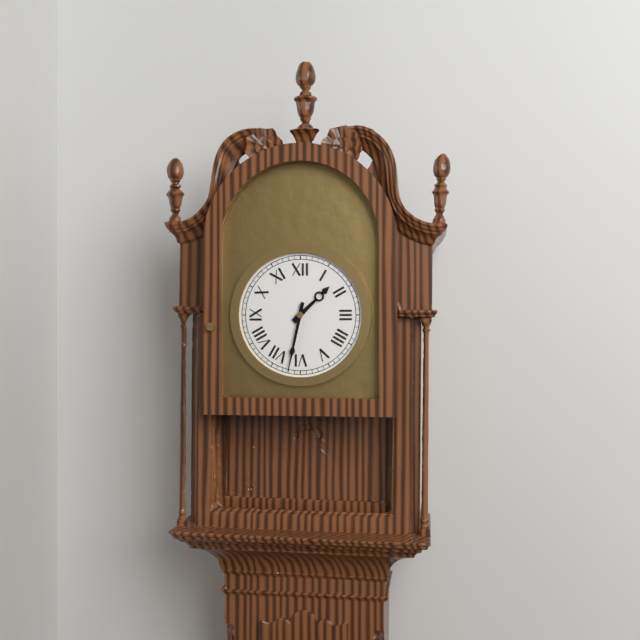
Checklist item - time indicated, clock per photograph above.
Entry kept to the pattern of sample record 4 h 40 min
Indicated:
1 h 32 min
